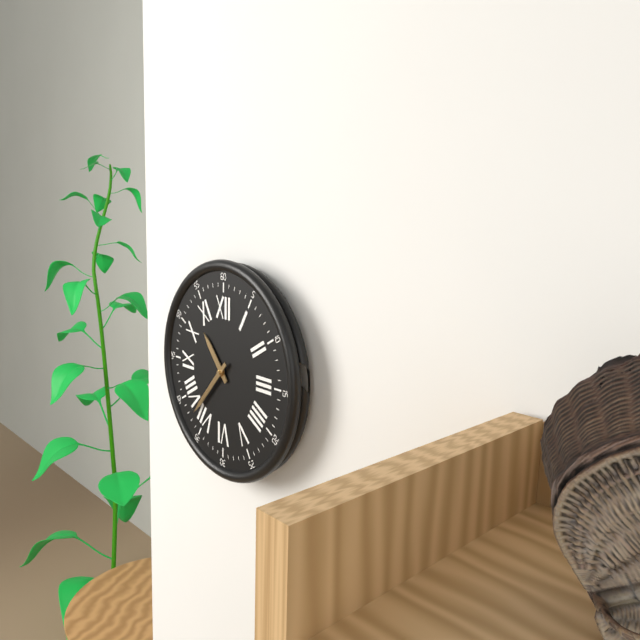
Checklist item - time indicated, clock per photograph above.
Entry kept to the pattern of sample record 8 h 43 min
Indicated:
10 h 37 min
